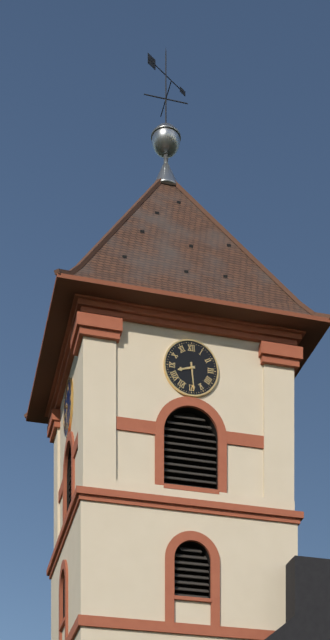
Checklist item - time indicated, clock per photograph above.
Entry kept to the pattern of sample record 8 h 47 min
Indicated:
8 h 29 min
